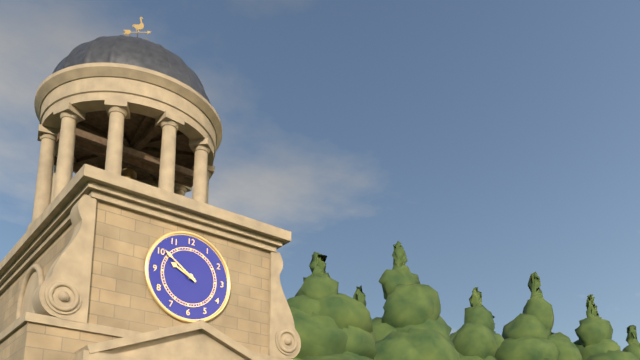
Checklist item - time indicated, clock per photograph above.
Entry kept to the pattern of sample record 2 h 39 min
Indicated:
9 h 51 min
